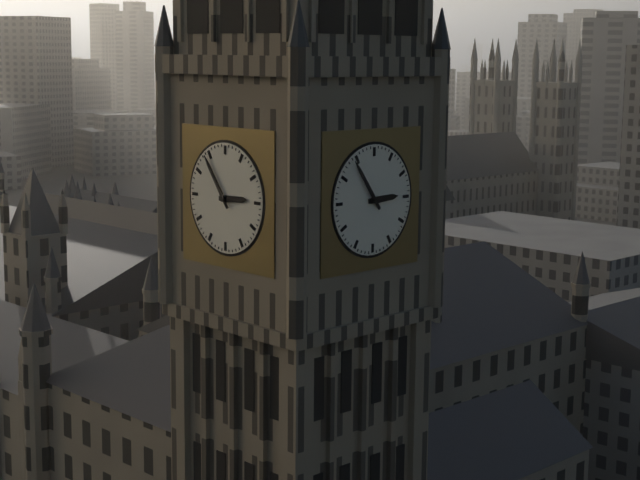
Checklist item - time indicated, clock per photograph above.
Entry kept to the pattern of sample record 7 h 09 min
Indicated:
2 h 54 min
